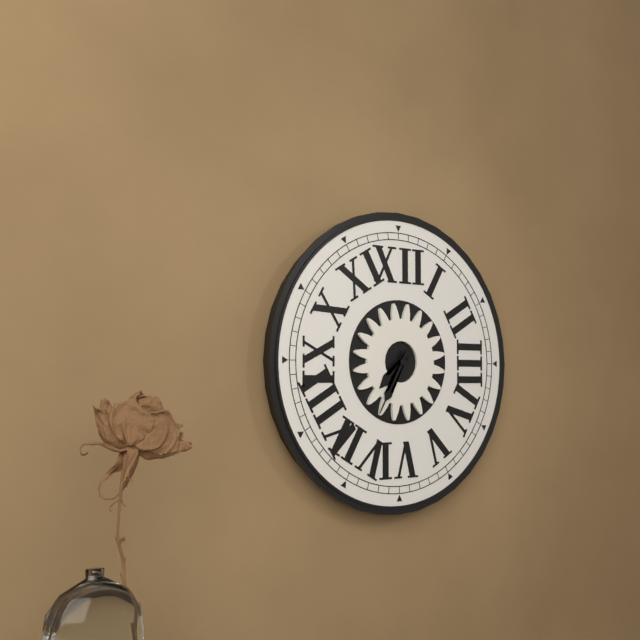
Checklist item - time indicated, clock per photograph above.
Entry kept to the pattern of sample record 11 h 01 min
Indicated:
7 h 35 min
